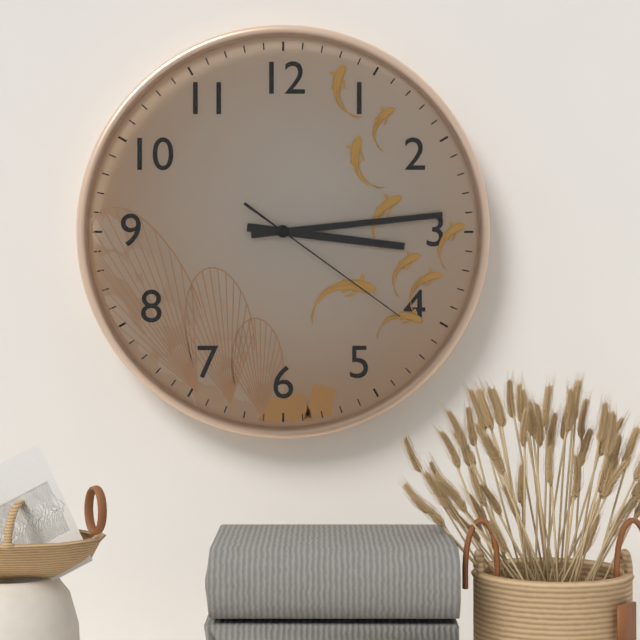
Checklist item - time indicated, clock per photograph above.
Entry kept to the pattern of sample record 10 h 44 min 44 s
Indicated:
3 h 14 min 21 s
